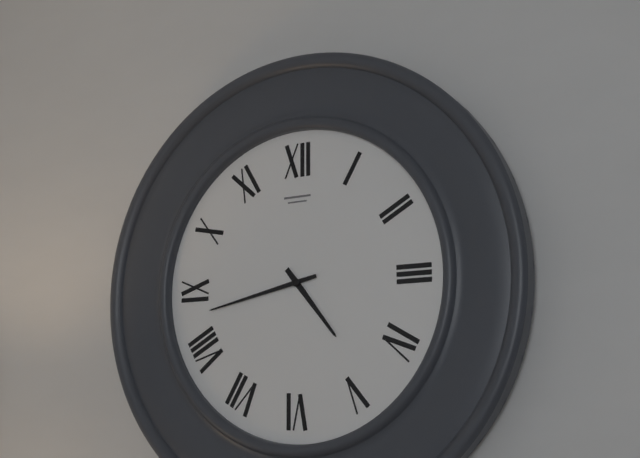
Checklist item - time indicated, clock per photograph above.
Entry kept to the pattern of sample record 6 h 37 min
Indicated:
4 h 43 min
